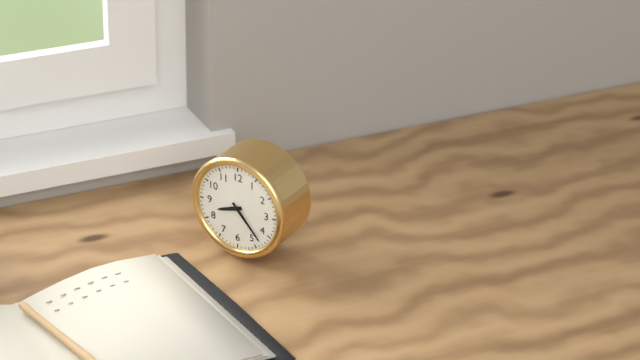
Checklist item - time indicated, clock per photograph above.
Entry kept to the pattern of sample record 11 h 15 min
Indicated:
8 h 23 min
